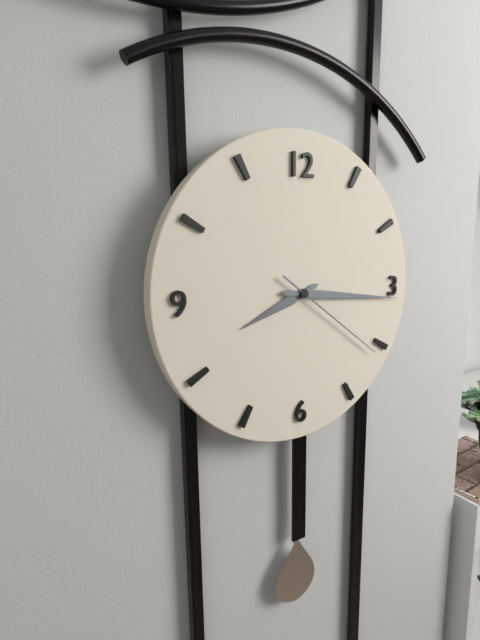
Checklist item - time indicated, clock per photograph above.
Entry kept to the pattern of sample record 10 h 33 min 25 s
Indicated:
8 h 16 min 21 s
